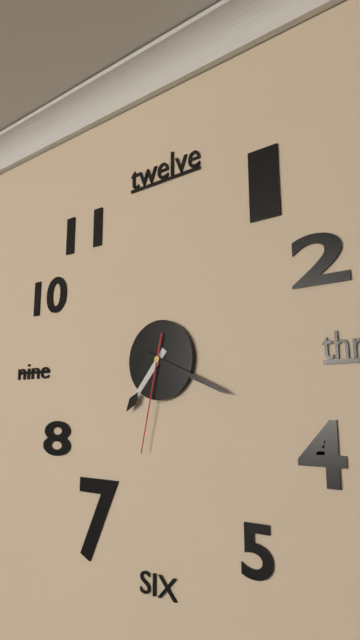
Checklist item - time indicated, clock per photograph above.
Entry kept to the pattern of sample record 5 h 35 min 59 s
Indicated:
7 h 19 min 32 s
